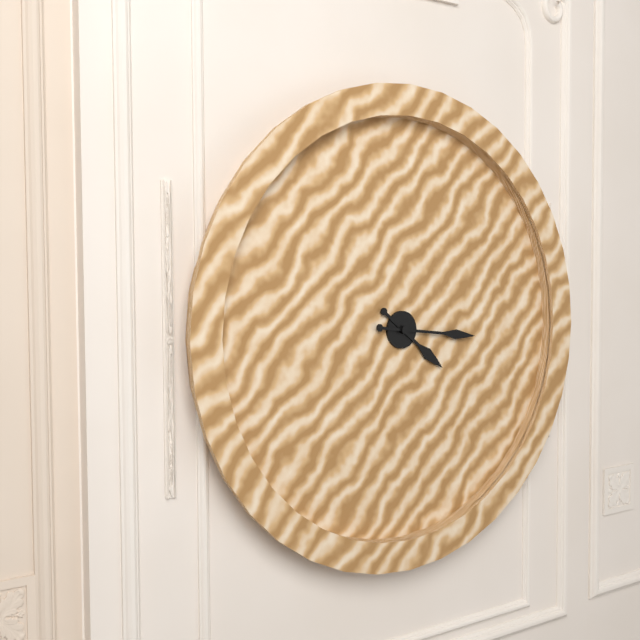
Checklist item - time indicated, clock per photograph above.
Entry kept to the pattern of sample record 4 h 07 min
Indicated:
4 h 16 min
